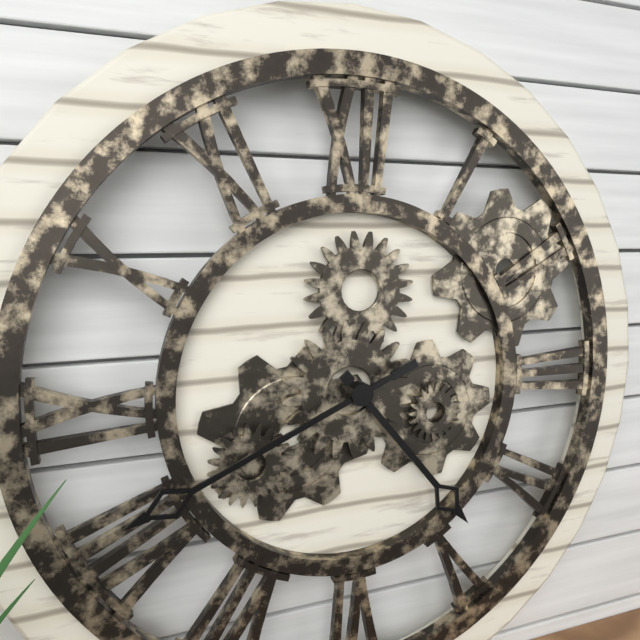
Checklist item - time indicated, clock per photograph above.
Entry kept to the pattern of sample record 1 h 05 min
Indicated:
4 h 41 min
